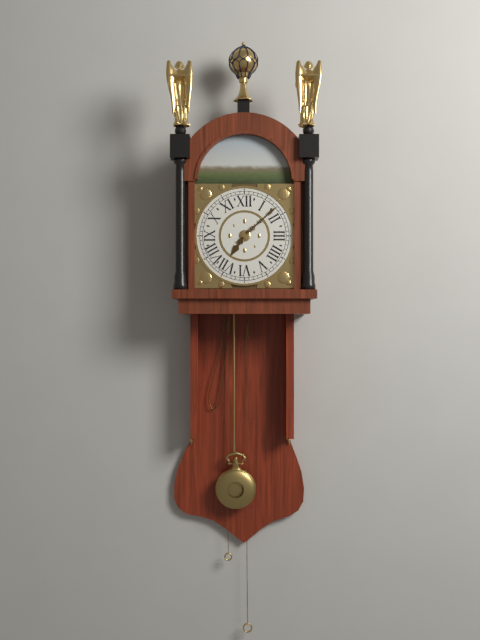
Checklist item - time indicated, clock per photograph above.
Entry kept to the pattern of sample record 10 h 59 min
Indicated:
7 h 08 min
